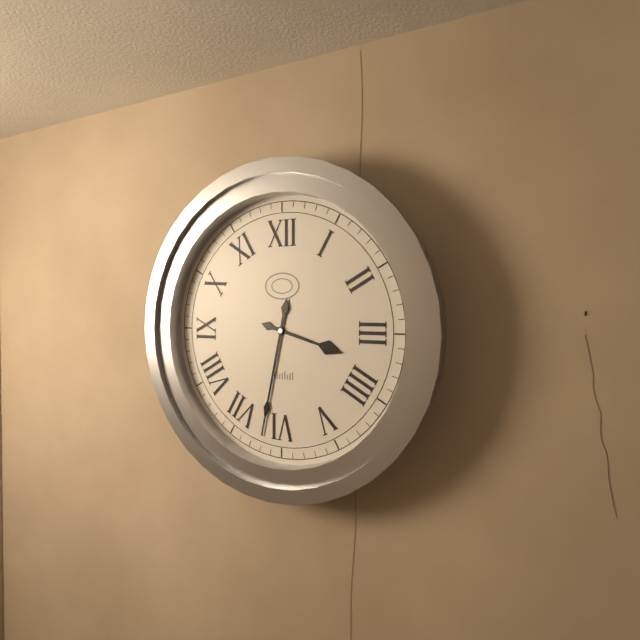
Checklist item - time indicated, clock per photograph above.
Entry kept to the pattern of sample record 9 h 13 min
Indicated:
3 h 32 min
